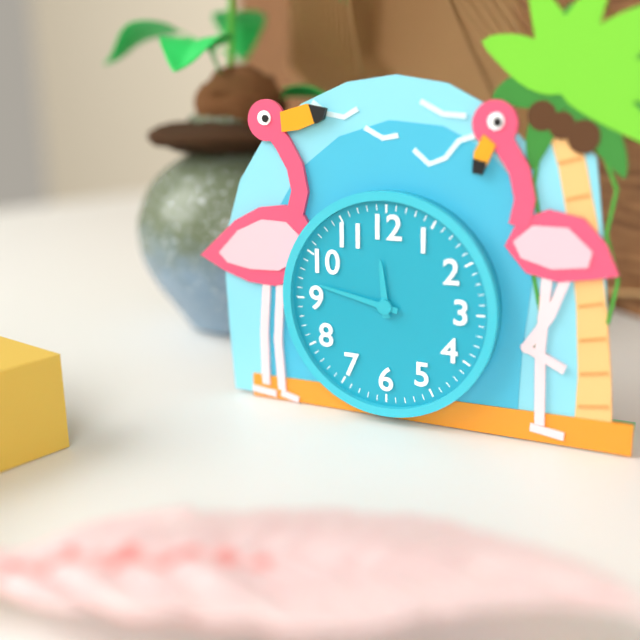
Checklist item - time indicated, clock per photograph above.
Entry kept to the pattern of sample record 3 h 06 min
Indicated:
11 h 47 min
